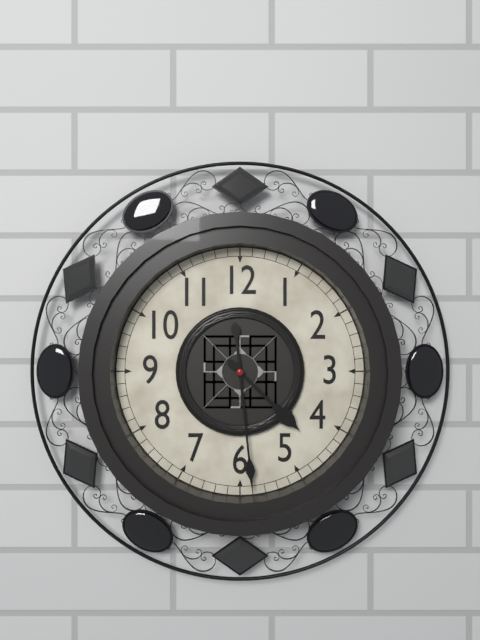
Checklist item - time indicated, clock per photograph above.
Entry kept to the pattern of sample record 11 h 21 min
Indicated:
4 h 29 min
